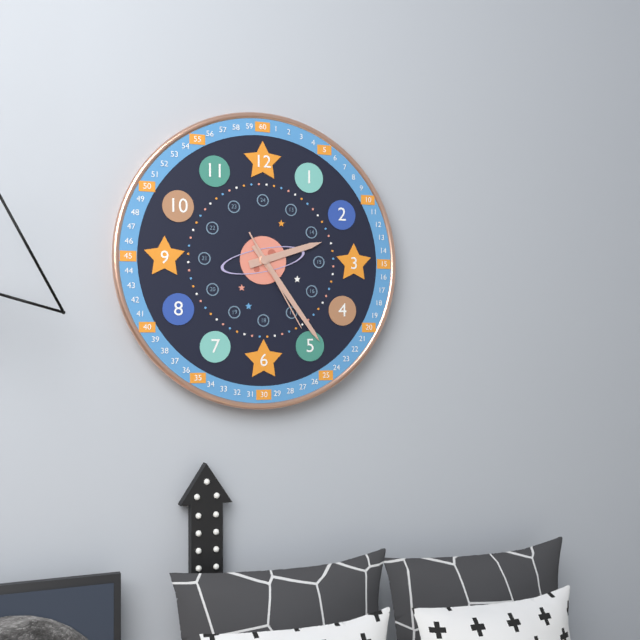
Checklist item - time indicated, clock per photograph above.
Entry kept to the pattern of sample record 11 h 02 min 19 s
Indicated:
2 h 24 min 25 s
